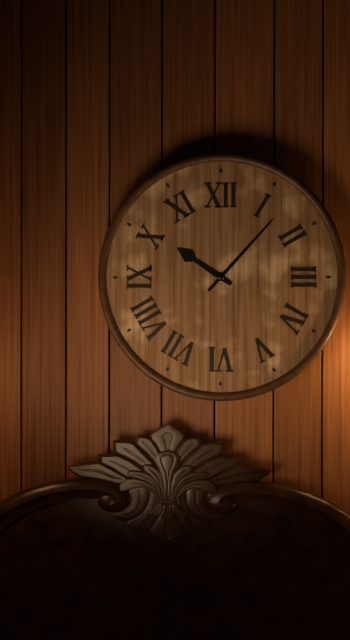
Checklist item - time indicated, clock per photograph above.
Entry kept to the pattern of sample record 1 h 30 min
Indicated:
10 h 07 min
